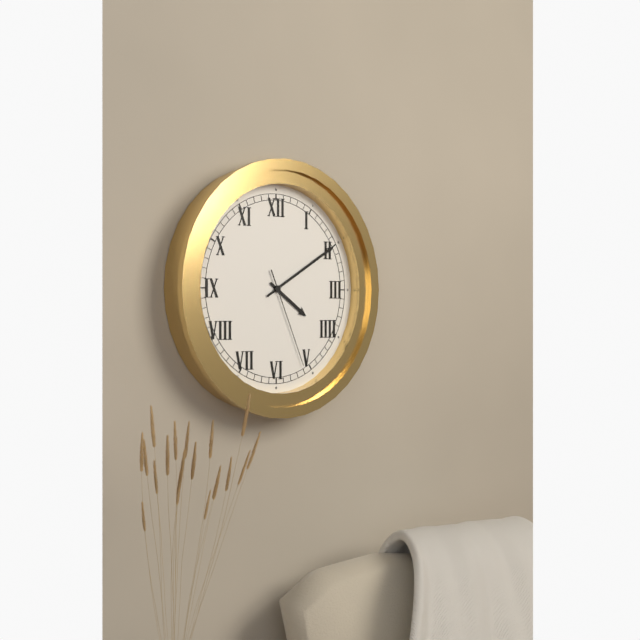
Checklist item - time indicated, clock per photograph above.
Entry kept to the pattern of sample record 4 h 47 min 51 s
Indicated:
4 h 10 min 26 s
